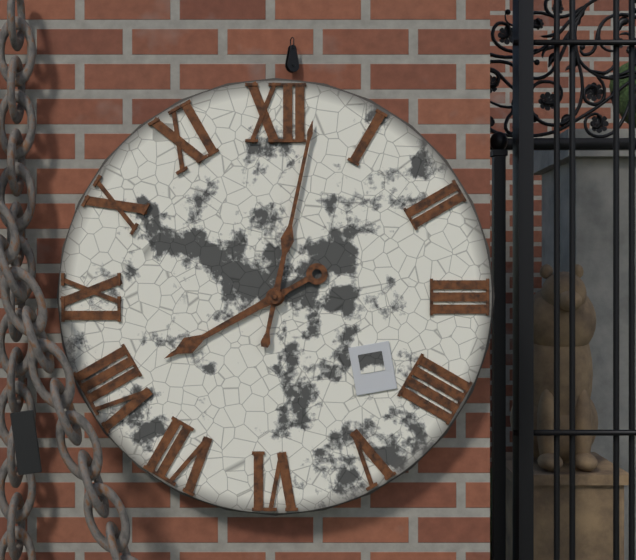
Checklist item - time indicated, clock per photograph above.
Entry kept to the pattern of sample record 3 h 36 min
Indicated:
8 h 02 min
